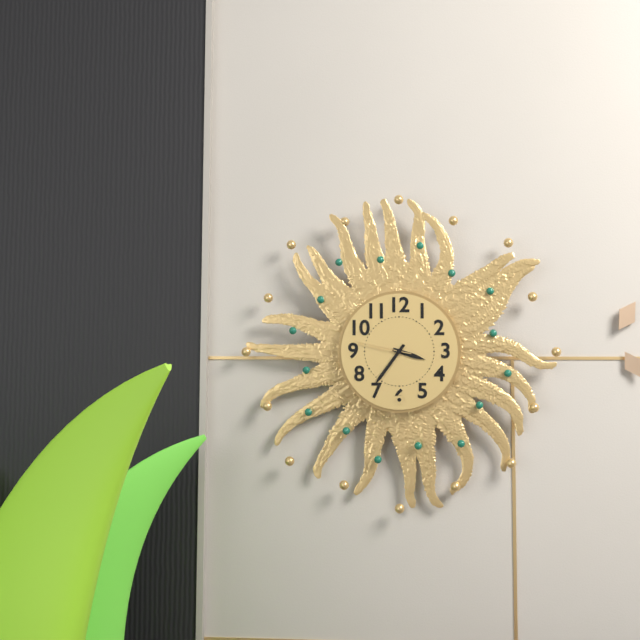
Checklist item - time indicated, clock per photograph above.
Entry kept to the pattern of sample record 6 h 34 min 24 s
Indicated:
3 h 36 min 47 s
